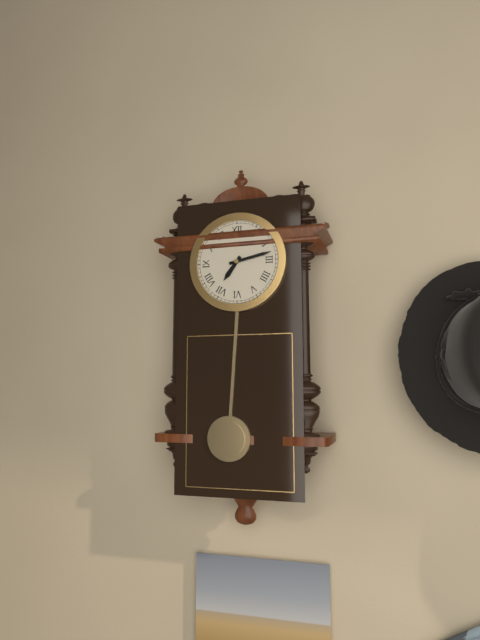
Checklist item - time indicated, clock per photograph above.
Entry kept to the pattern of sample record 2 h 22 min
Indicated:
7 h 13 min
